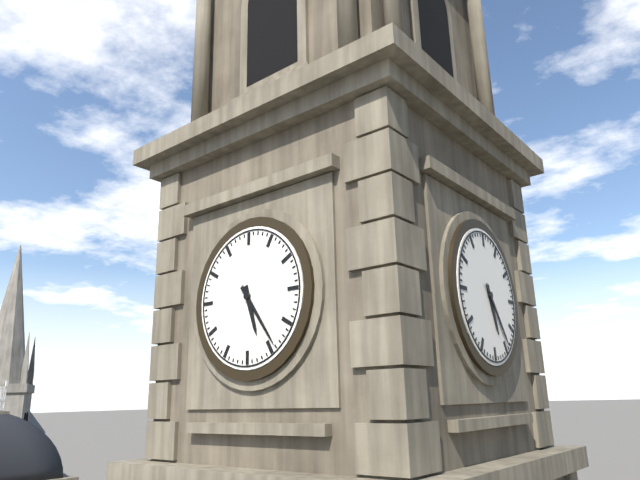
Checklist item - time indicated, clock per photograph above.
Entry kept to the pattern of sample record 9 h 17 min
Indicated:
5 h 24 min
